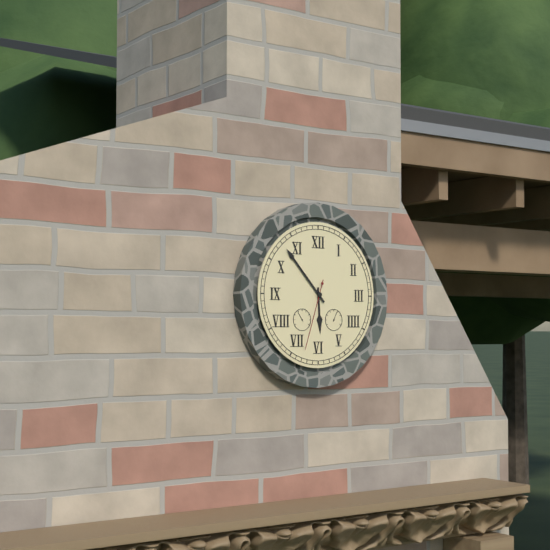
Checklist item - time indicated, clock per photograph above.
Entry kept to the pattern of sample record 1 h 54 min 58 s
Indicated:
5 h 53 min 33 s
